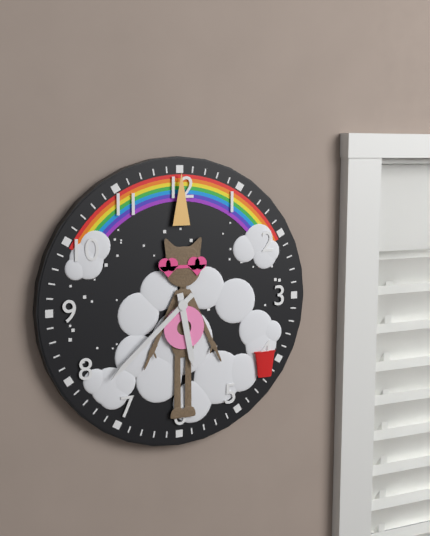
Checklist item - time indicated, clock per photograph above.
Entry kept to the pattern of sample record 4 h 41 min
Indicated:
5 h 38 min
